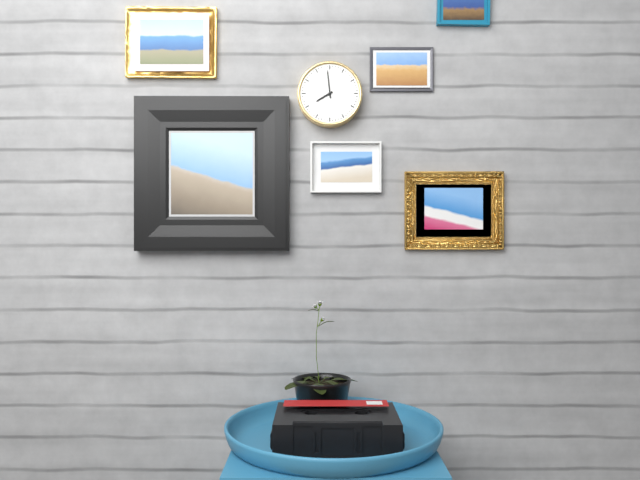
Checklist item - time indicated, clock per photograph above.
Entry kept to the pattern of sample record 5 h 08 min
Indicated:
7 h 59 min
